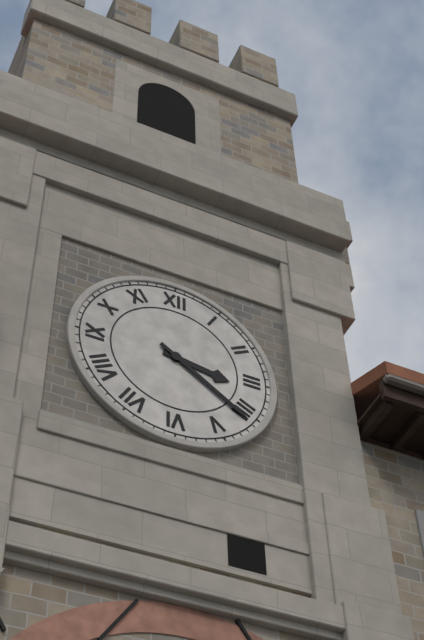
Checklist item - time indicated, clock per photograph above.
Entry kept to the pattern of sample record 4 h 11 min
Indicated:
3 h 21 min
